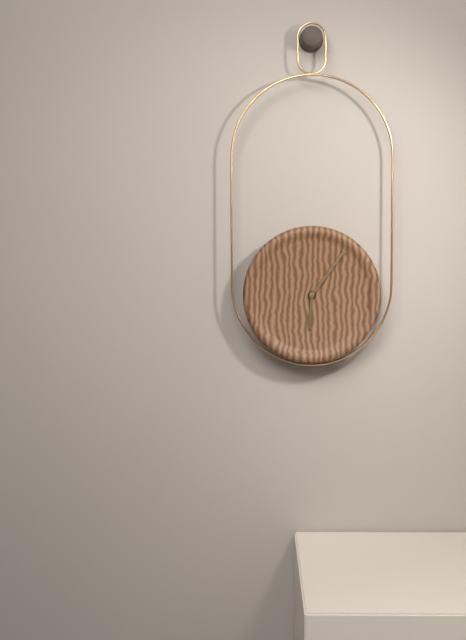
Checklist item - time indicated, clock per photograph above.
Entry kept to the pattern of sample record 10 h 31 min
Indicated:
6 h 06 min
